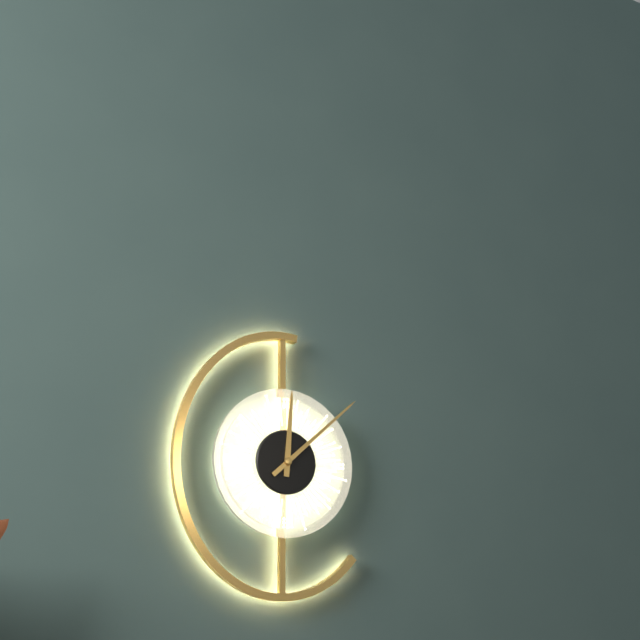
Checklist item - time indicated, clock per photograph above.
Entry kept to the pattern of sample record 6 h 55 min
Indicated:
12 h 08 min
